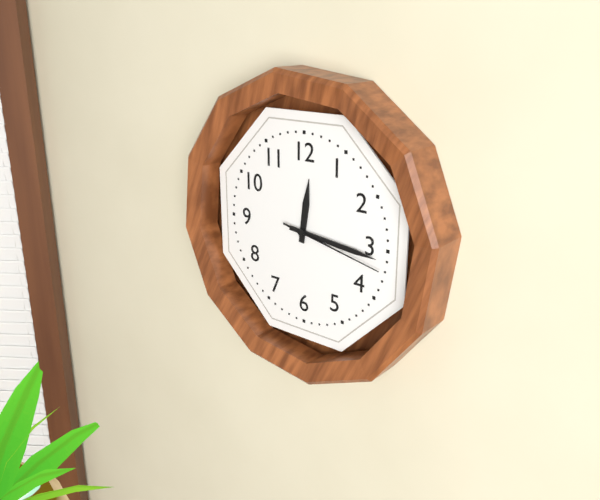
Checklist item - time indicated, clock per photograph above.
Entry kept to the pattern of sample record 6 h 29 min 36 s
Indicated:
12 h 16 min 17 s
